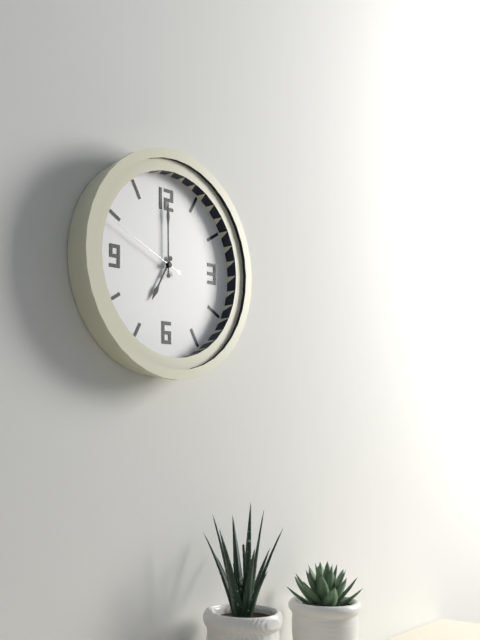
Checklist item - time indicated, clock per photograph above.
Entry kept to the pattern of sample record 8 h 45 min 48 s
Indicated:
7 h 00 min 49 s
